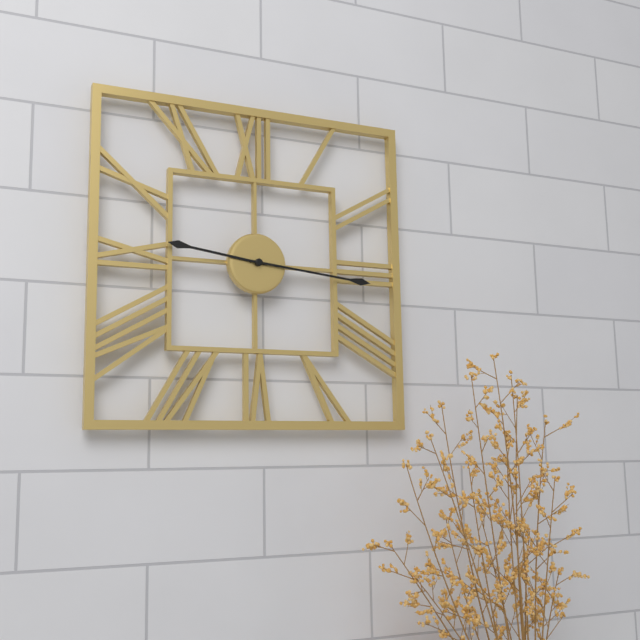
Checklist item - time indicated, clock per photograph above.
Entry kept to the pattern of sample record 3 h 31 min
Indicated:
9 h 16 min
